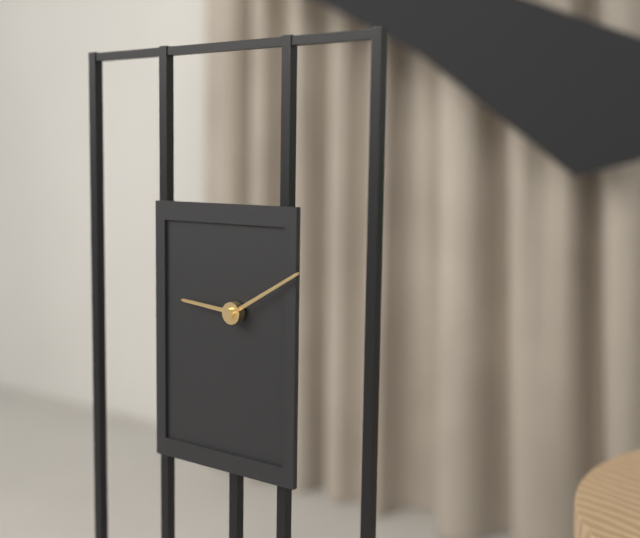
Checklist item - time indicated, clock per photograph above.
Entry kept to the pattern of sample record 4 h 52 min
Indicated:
9 h 10 min
